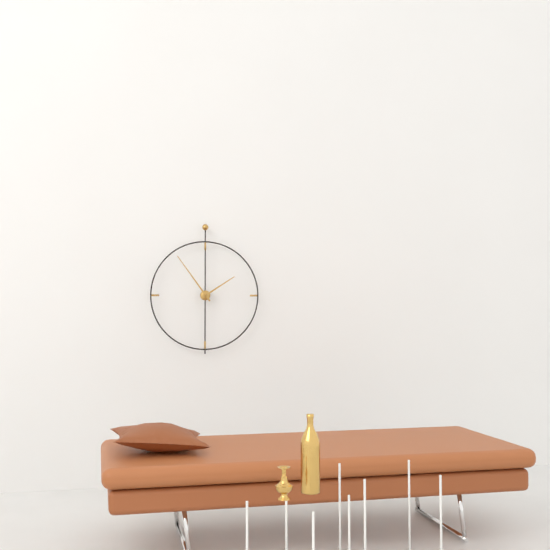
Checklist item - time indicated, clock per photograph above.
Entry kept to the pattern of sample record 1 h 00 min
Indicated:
1 h 54 min
